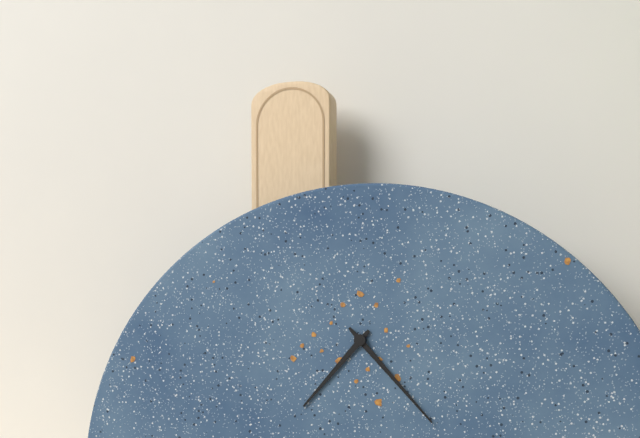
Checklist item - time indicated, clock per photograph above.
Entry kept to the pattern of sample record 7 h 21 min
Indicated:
7 h 23 min
